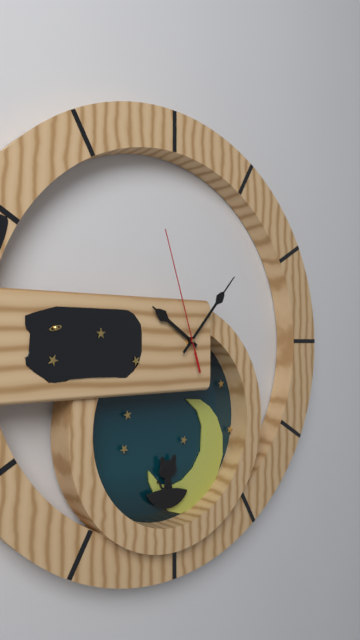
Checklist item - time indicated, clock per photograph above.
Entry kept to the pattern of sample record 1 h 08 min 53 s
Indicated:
10 h 07 min 57 s
